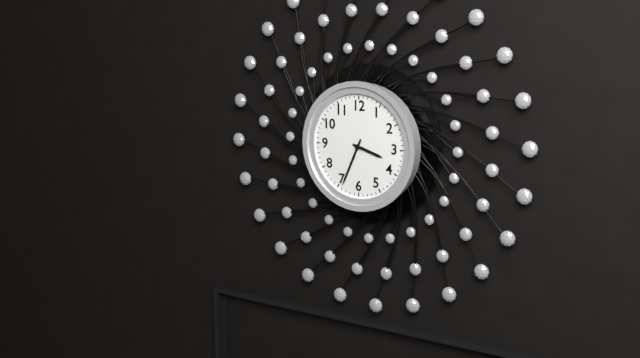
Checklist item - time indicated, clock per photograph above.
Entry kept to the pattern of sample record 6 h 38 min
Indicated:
3 h 34 min
